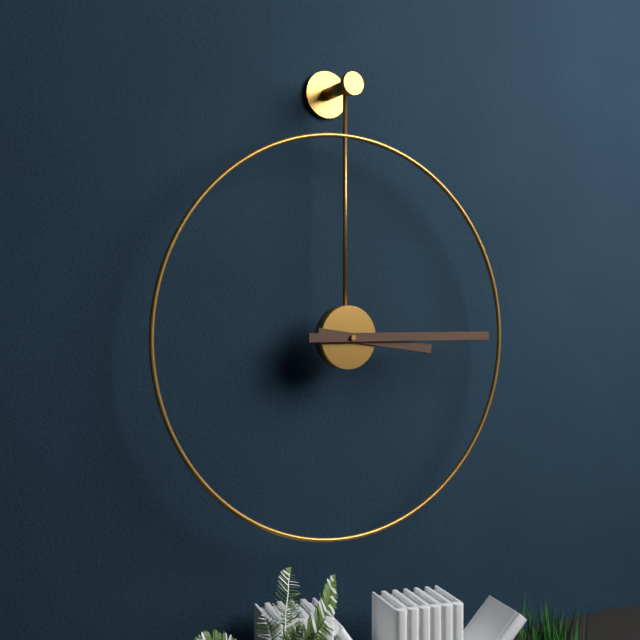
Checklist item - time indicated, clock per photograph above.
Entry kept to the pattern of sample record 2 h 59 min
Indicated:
3 h 15 min
